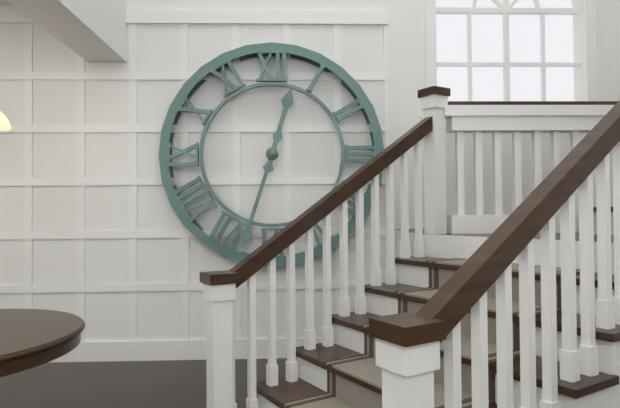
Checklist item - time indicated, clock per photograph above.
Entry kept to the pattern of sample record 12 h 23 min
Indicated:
12 h 33 min
